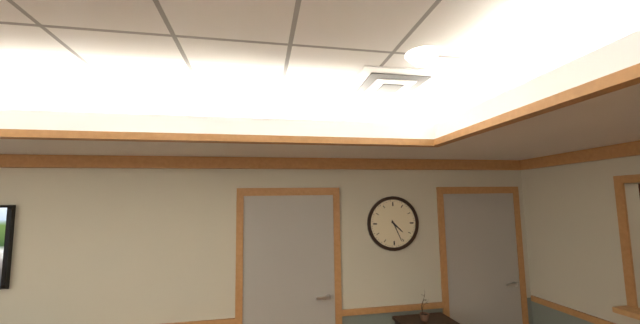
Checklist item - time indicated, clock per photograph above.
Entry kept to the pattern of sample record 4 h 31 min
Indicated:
4 h 26 min
